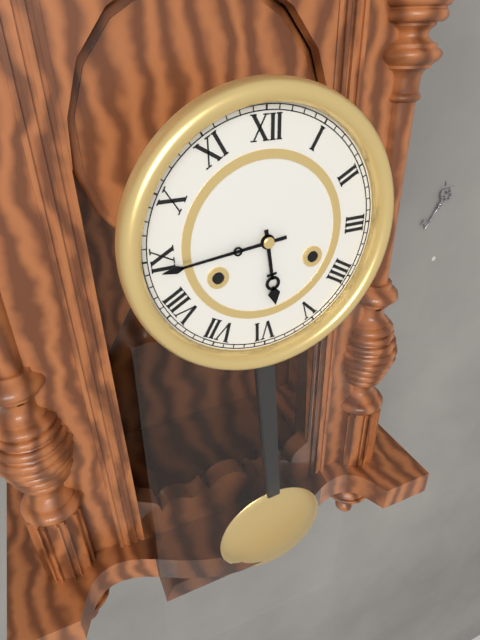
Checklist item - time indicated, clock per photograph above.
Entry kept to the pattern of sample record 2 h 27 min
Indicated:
5 h 44 min
